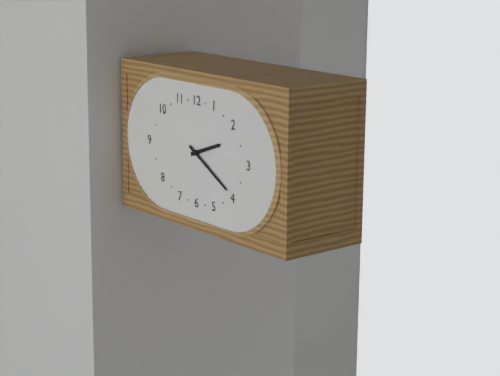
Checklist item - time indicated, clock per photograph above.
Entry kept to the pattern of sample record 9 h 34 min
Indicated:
2 h 20 min
